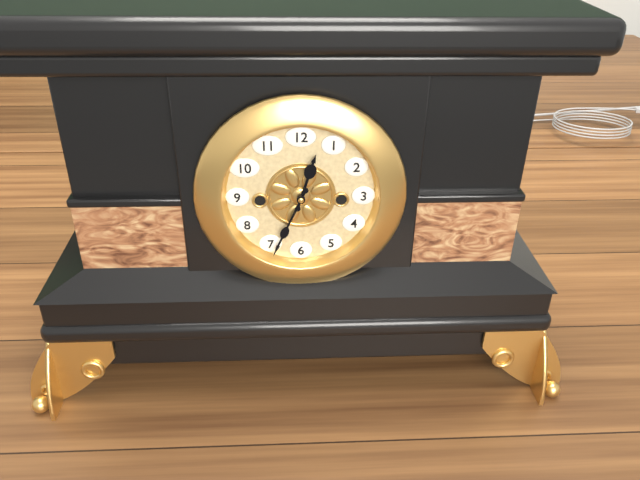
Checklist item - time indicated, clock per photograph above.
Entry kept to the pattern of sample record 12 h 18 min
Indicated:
12 h 34 min
